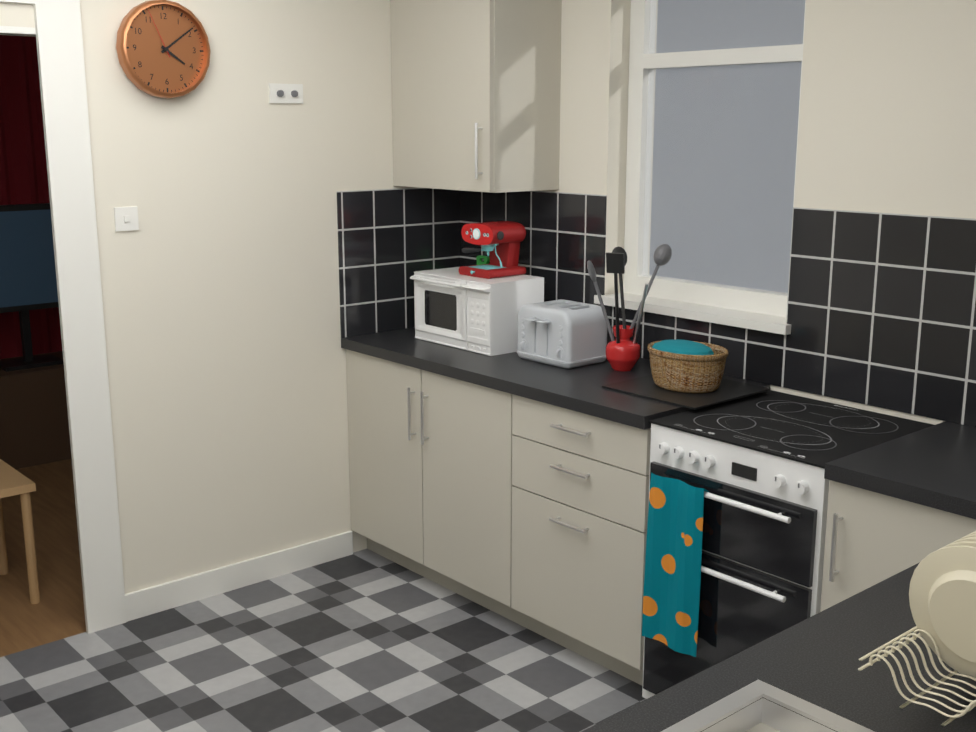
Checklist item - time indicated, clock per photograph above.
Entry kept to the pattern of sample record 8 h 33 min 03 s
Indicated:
4 h 09 min 56 s
